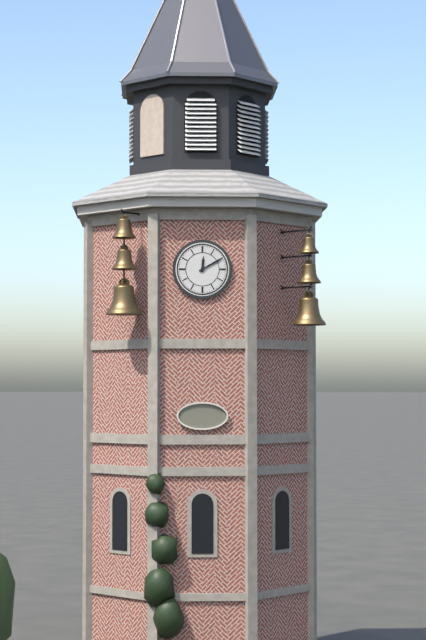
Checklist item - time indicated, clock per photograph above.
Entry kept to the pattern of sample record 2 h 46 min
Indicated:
12 h 10 min
